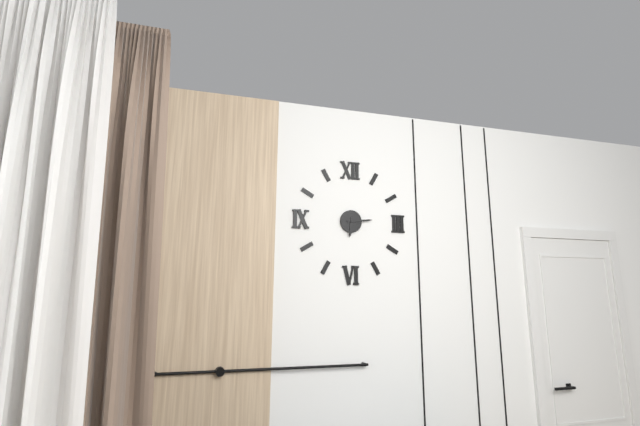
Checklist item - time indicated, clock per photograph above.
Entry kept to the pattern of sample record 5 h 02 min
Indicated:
6 h 14 min
